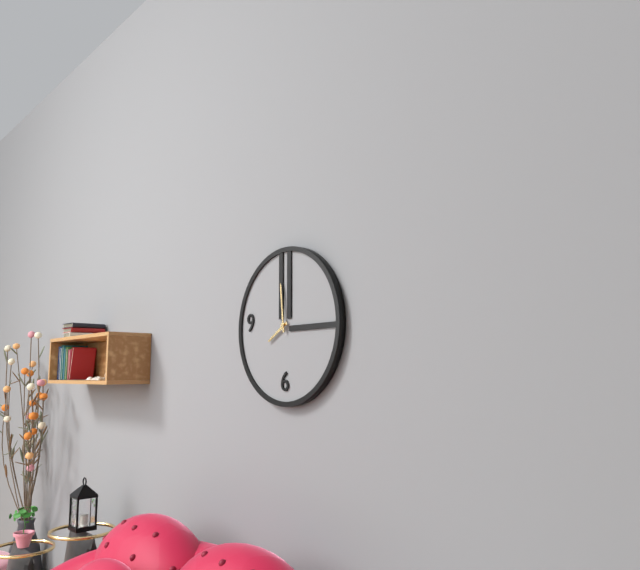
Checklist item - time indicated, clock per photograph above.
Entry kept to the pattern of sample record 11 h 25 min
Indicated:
7 h 59 min
